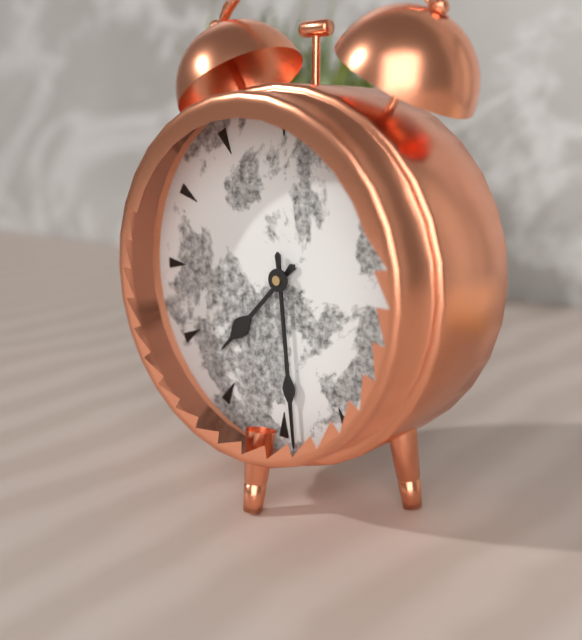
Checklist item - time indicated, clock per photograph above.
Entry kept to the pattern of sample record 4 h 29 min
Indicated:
7 h 29 min
